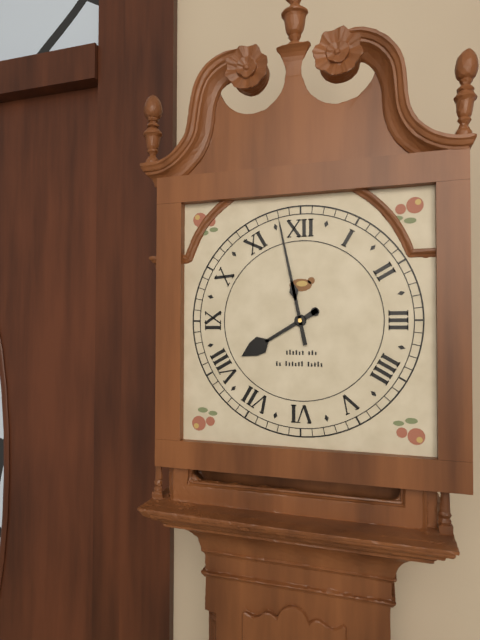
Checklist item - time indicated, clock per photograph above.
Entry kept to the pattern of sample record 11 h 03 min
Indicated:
7 h 58 min
